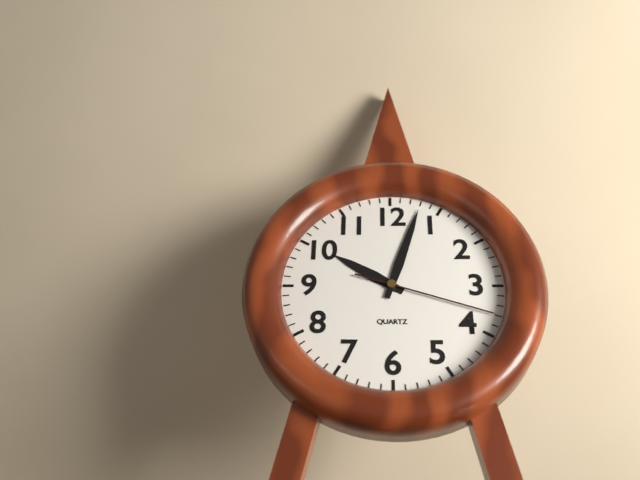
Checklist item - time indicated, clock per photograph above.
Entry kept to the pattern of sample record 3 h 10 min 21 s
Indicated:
10 h 03 min 18 s
